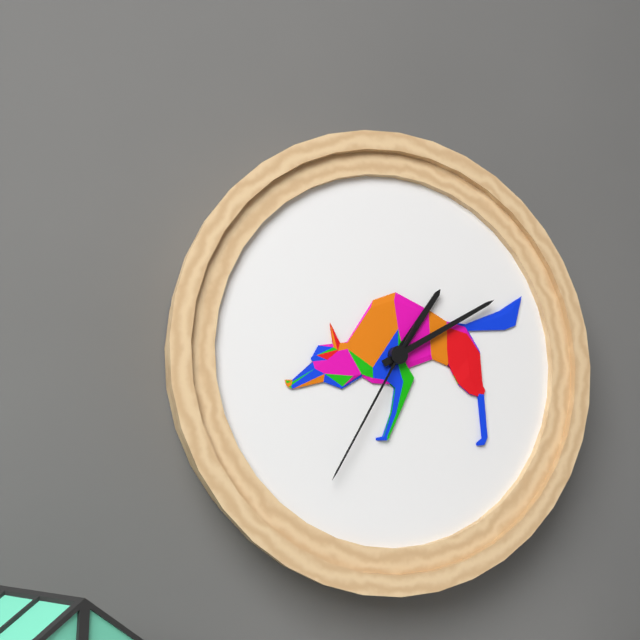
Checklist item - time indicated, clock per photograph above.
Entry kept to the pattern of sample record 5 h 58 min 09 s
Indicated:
1 h 10 min 35 s
